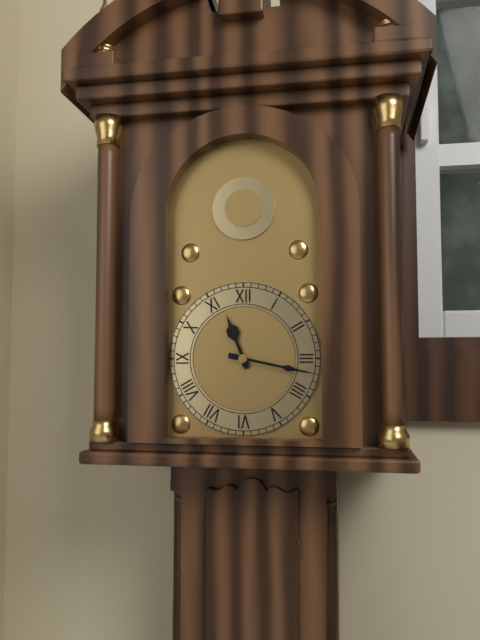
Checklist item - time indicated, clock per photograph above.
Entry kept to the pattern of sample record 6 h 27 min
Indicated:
11 h 17 min
